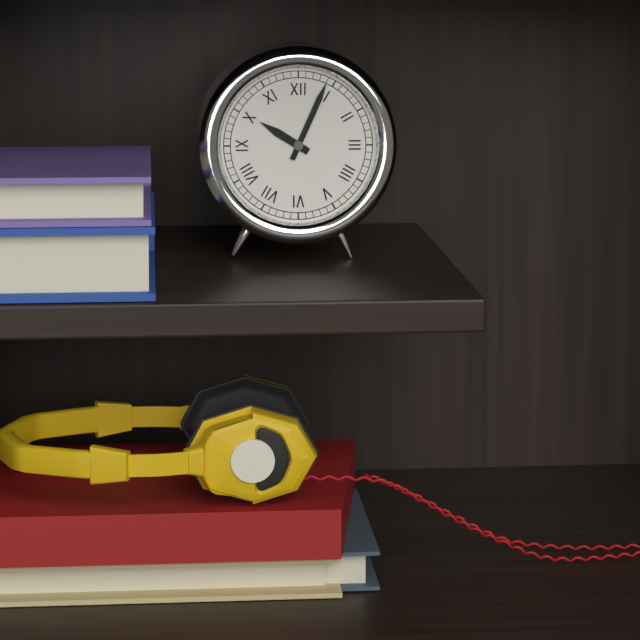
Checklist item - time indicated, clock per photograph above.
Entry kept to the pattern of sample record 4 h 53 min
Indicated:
10 h 04 min
